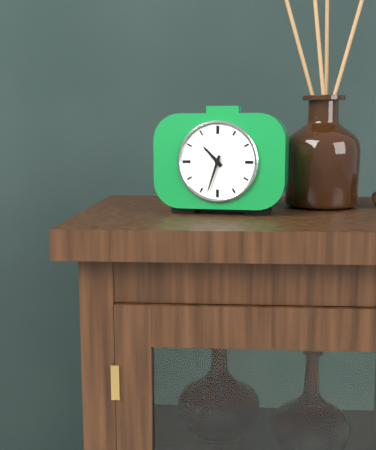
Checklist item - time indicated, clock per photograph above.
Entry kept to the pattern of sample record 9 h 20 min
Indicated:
10 h 33 min
